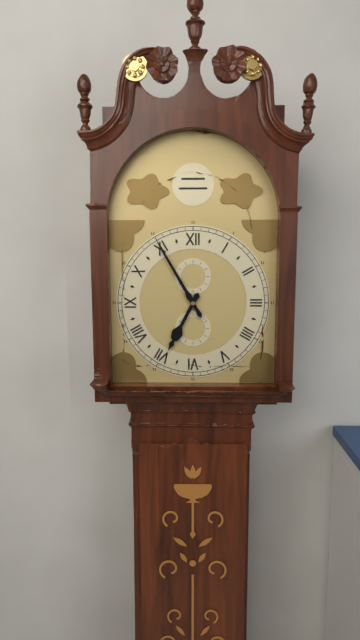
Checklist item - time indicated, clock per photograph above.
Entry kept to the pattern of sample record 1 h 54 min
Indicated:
6 h 55 min
